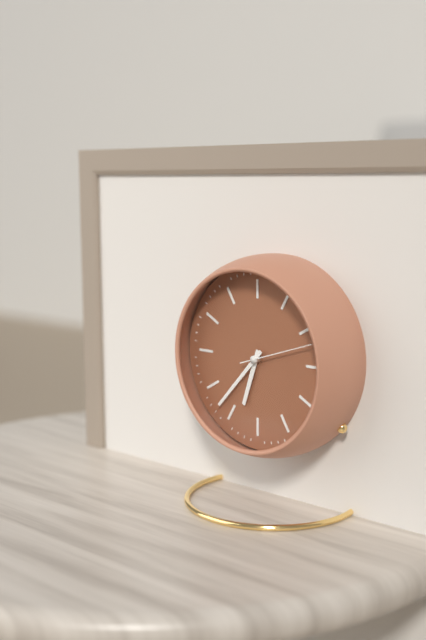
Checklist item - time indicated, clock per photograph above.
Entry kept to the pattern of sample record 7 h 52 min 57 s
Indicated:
6 h 37 min 12 s
